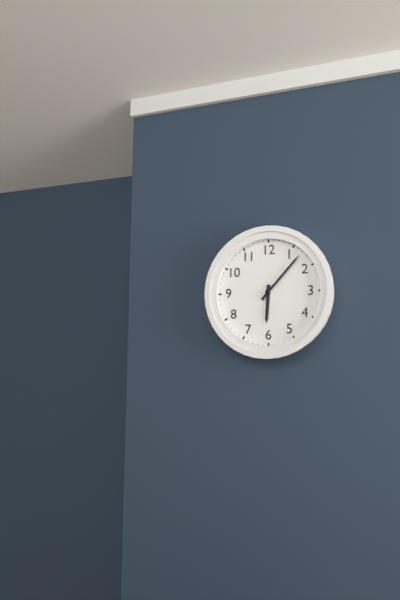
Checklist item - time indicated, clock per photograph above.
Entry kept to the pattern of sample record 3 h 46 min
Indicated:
6 h 07 min
